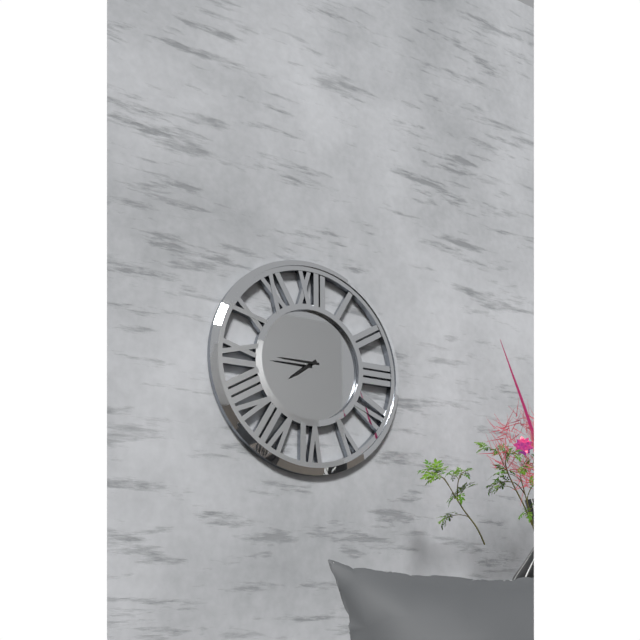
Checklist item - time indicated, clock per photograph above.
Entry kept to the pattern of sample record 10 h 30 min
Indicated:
7 h 45 min
